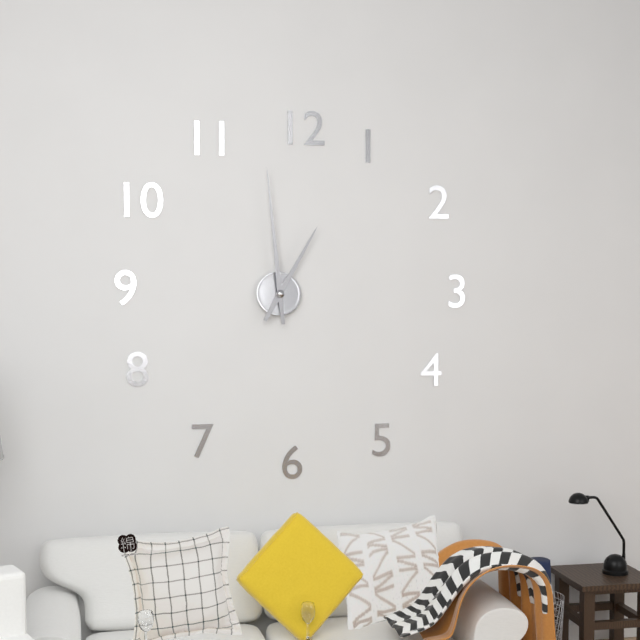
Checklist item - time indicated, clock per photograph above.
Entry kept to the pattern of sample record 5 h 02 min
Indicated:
12 h 59 min
